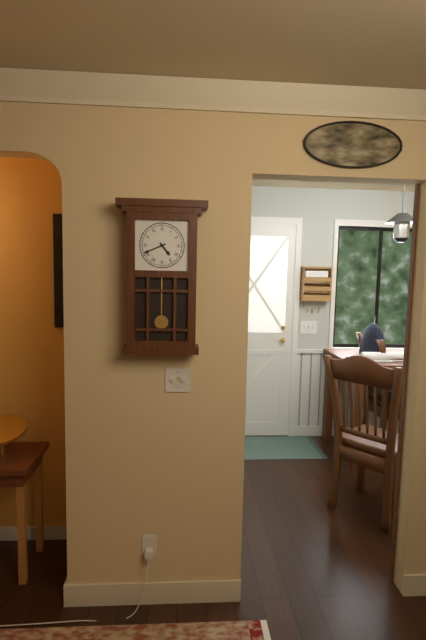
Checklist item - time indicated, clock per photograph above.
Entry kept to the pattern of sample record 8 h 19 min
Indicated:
4 h 41 min
